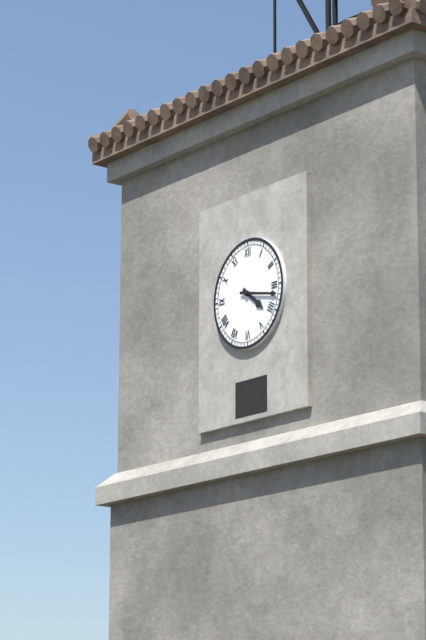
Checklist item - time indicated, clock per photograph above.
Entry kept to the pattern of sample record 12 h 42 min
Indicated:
4 h 17 min
